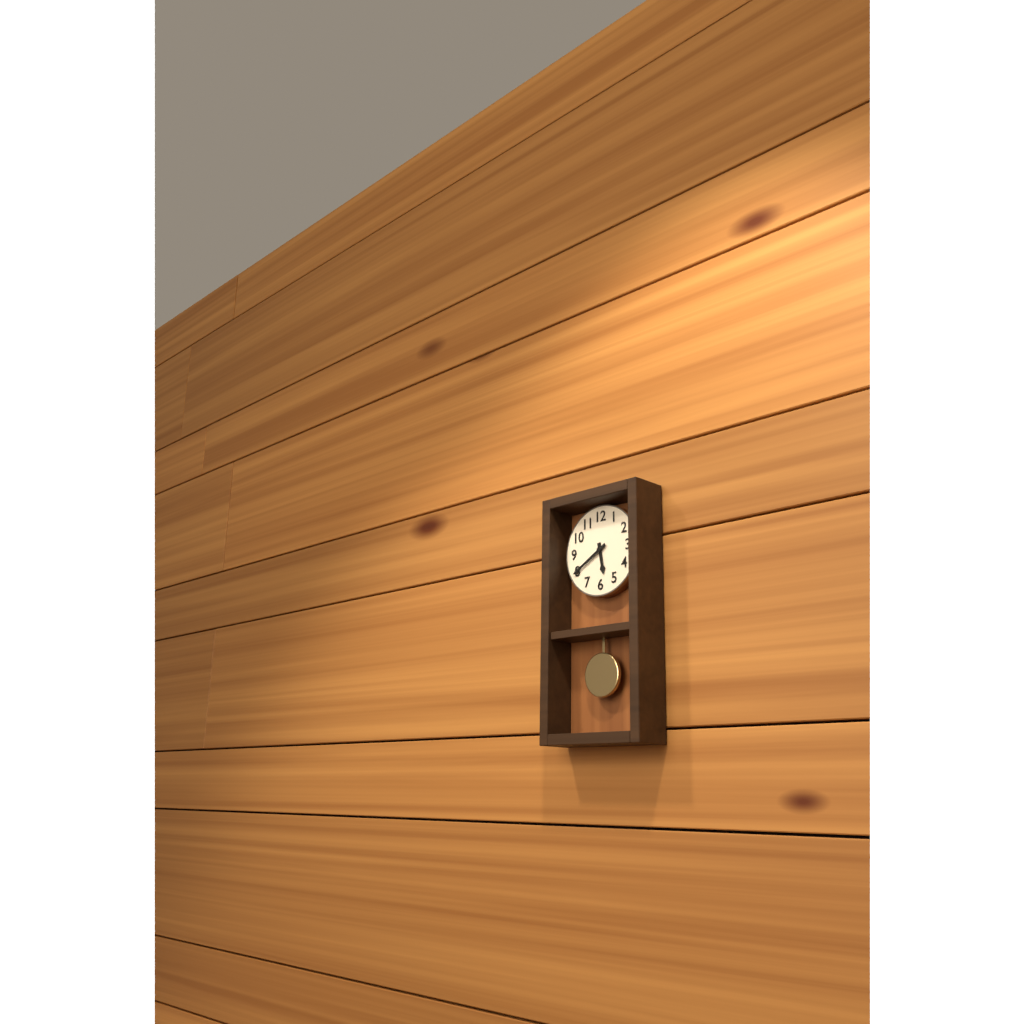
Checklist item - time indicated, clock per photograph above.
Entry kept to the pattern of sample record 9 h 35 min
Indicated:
5 h 40 min
